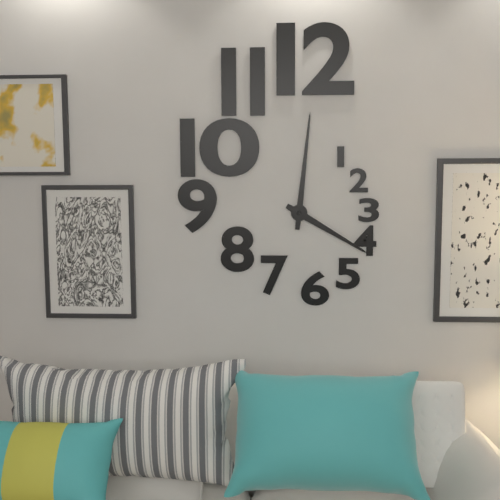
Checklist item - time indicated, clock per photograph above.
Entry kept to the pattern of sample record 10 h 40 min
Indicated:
4 h 01 min
